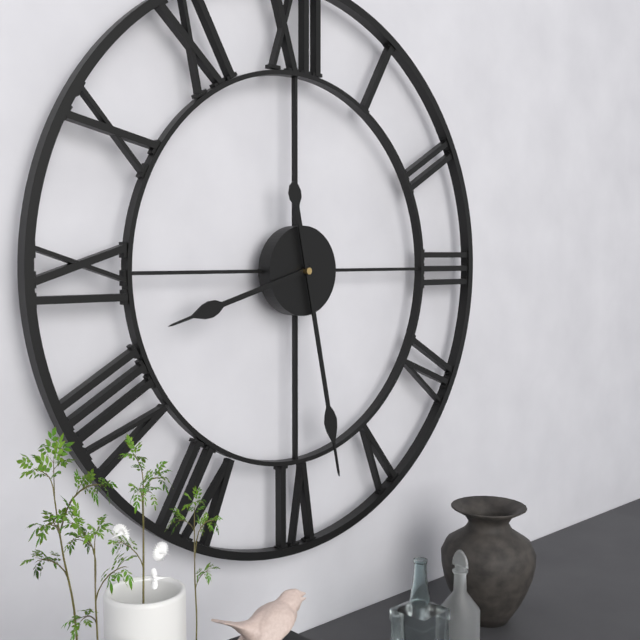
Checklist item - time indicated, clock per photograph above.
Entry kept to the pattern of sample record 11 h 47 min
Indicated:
8 h 28 min
